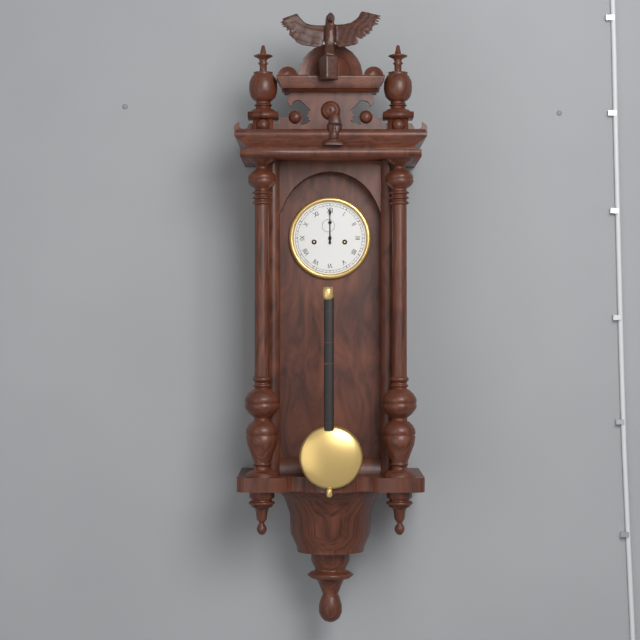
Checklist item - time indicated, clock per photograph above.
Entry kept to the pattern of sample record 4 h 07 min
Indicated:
12 h 00 min
